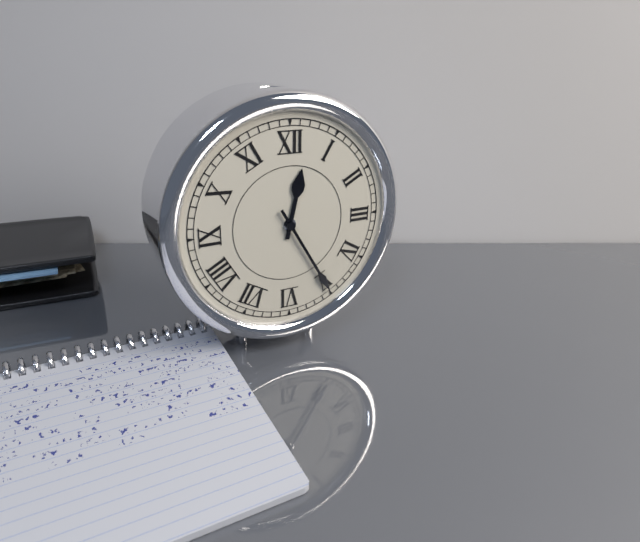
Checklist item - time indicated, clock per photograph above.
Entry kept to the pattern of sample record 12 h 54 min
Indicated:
12 h 25 min
